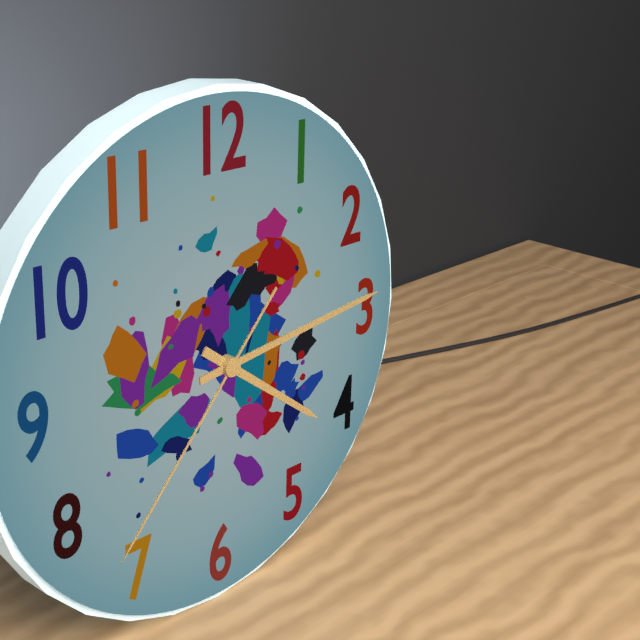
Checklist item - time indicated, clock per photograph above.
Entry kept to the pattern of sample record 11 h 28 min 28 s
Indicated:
4 h 14 min 37 s
